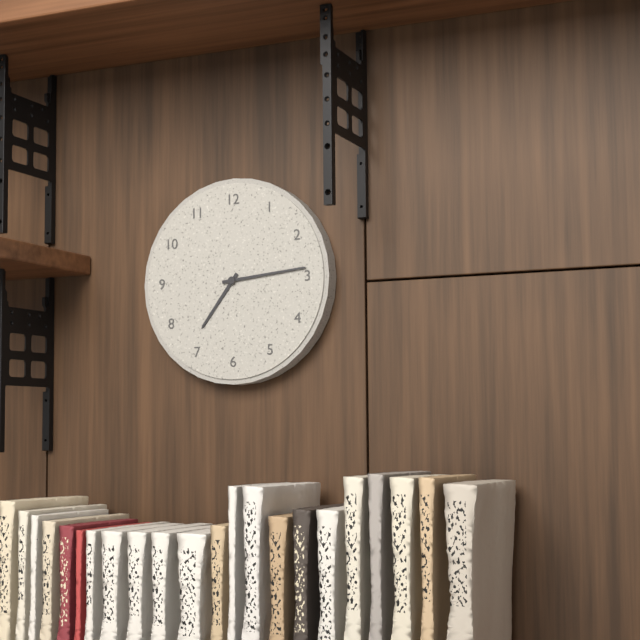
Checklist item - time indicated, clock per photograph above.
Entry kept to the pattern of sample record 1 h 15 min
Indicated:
7 h 14 min
